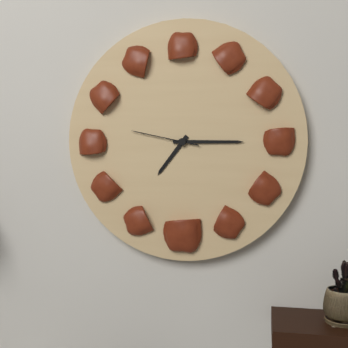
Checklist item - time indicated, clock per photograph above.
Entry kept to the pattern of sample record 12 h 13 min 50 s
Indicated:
7 h 15 min 47 s
